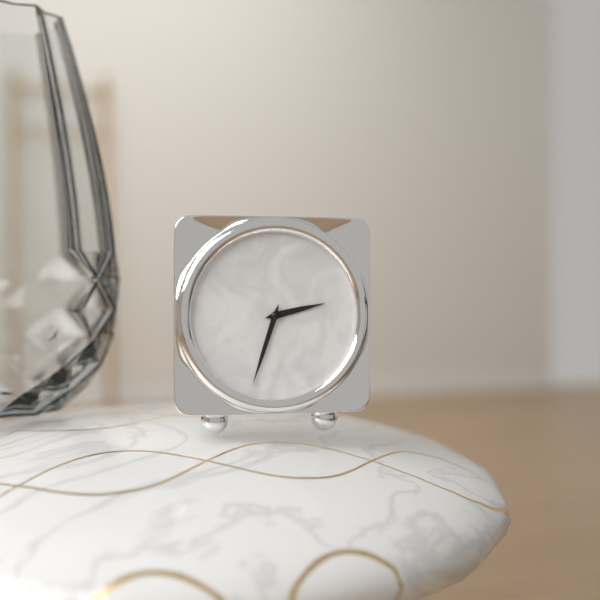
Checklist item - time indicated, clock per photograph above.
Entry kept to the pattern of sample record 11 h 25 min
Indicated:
2 h 33 min
